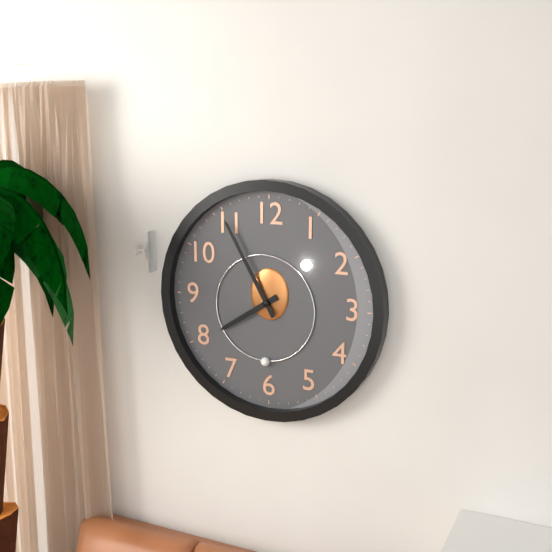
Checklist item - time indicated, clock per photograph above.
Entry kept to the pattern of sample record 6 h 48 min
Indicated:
7 h 55 min
